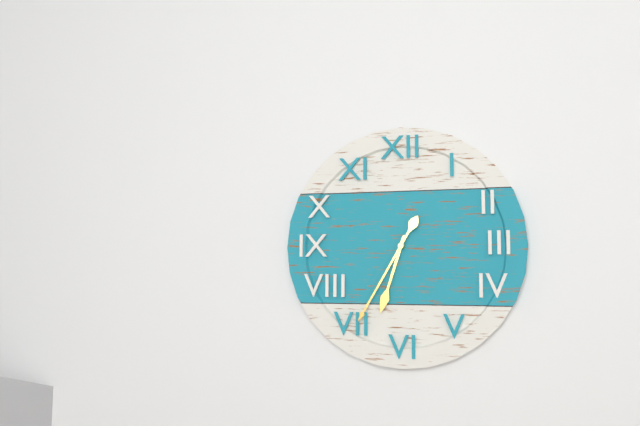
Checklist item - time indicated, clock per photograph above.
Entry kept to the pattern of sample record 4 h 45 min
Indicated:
6 h 35 min
